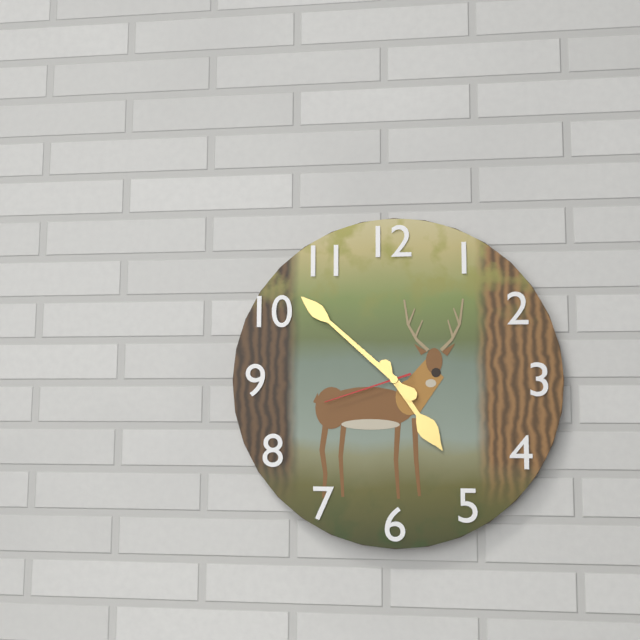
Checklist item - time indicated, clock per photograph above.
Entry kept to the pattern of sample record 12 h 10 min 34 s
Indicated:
4 h 52 min 42 s
